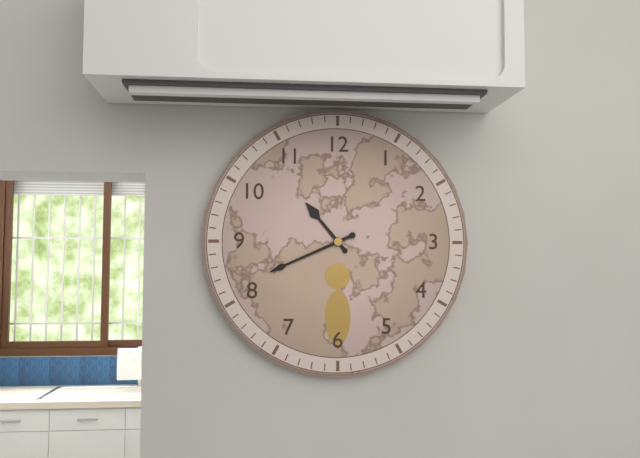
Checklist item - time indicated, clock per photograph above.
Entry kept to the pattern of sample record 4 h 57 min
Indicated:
10 h 41 min
